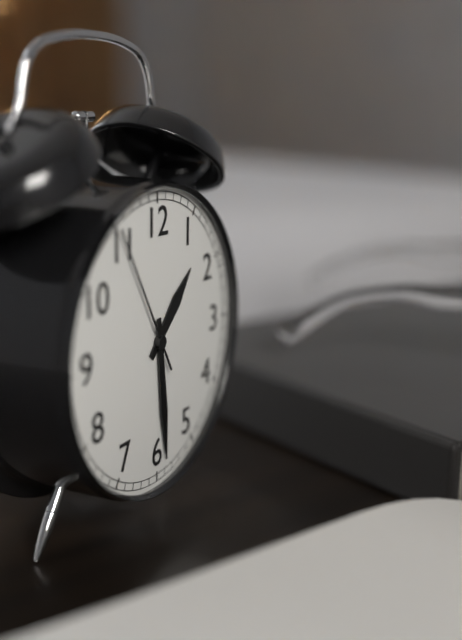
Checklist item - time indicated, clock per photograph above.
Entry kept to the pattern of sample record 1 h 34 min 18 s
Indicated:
1 h 29 min 55 s
